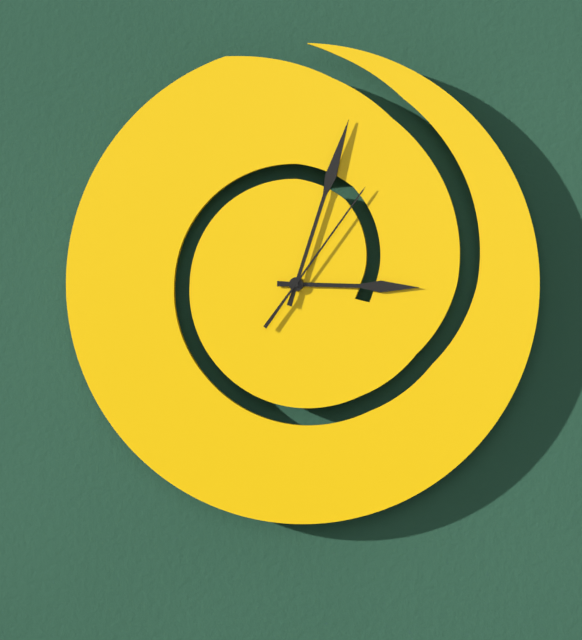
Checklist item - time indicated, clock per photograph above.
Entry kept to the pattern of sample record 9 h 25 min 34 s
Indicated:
3 h 03 min 06 s
